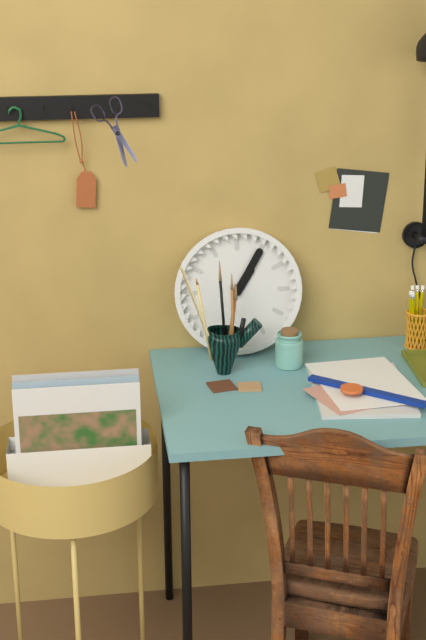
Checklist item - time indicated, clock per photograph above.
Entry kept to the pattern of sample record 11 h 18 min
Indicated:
1 h 05 min
